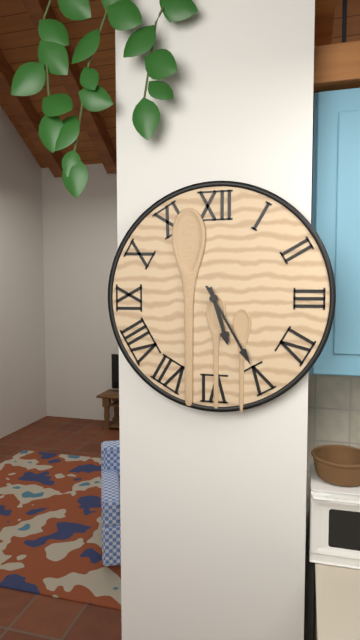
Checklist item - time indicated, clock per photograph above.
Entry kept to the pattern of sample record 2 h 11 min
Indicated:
5 h 25 min
